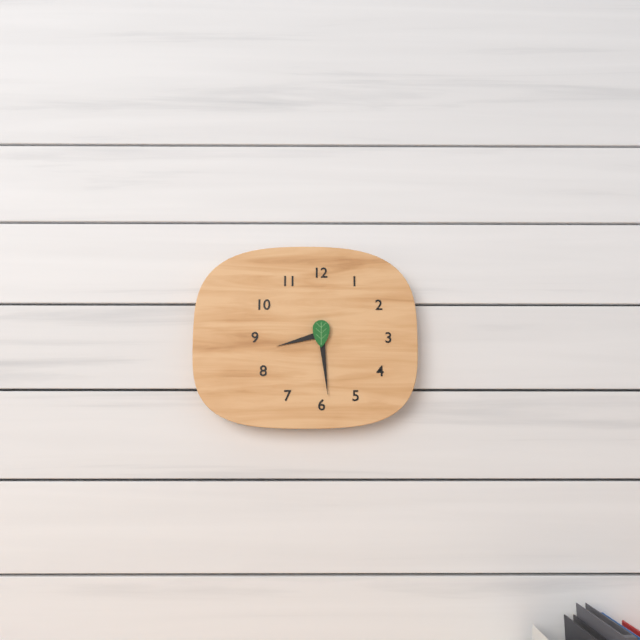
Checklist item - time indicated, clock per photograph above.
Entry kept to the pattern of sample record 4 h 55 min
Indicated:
8 h 29 min
